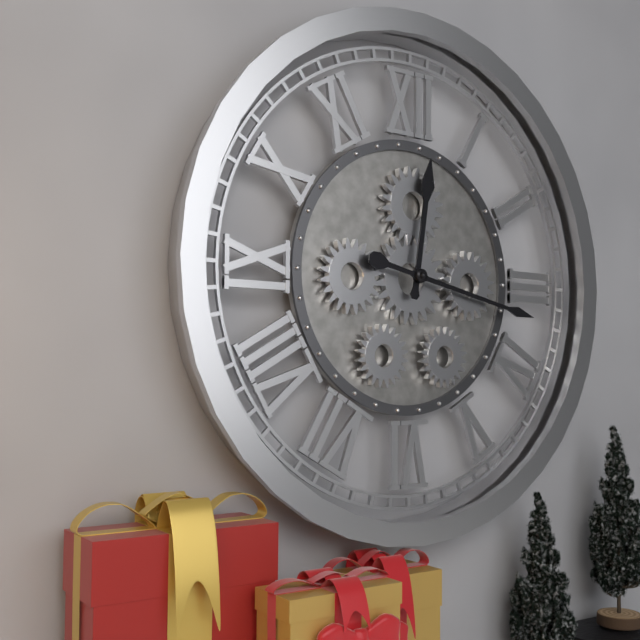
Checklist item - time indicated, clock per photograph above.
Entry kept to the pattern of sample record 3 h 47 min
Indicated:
12 h 17 min
